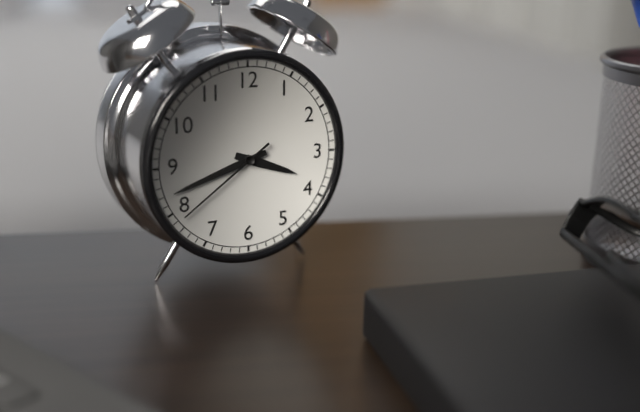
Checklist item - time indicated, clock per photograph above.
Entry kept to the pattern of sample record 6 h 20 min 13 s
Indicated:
3 h 42 min 39 s
